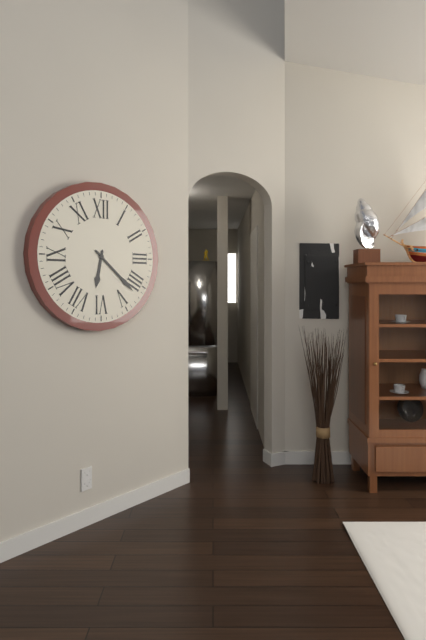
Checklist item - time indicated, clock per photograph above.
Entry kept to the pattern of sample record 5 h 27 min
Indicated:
6 h 22 min
